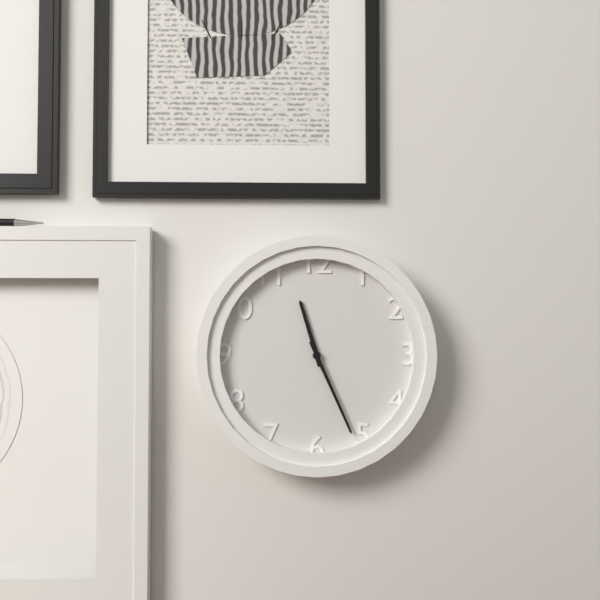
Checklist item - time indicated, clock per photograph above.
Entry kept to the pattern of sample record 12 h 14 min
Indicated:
11 h 26 min
